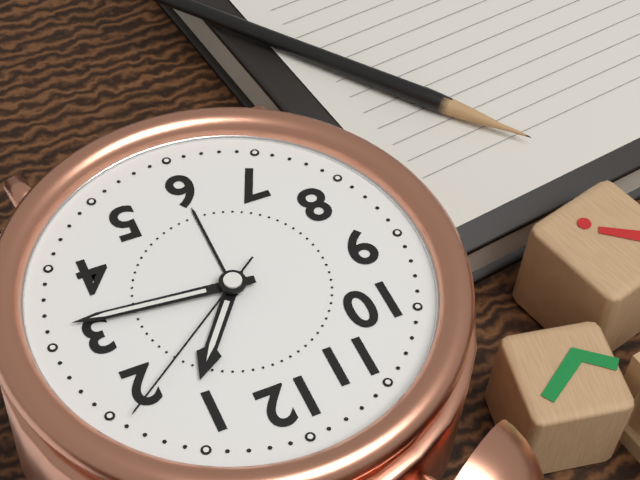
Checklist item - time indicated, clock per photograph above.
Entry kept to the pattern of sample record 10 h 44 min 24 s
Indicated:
1 h 16 min 09 s
